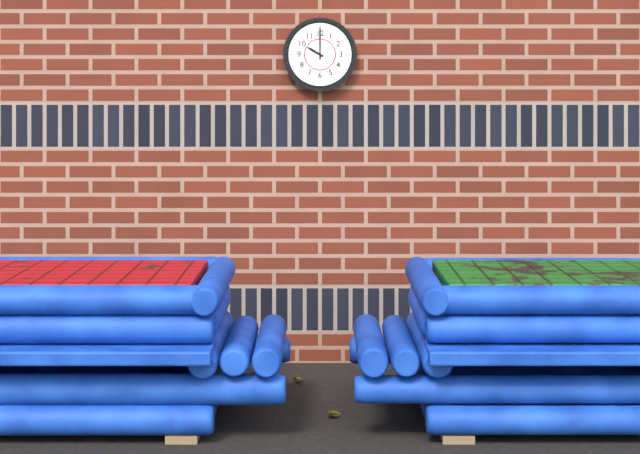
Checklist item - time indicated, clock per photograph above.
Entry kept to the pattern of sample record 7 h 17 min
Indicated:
10 h 00 min
